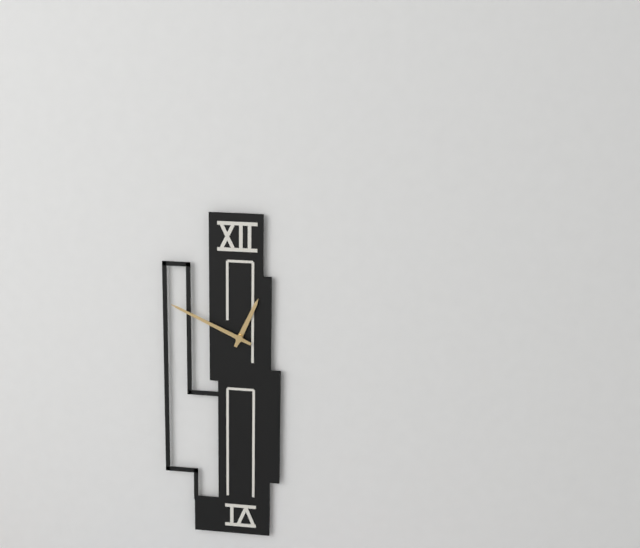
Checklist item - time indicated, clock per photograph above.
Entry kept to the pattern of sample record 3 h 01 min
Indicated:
12 h 49 min
